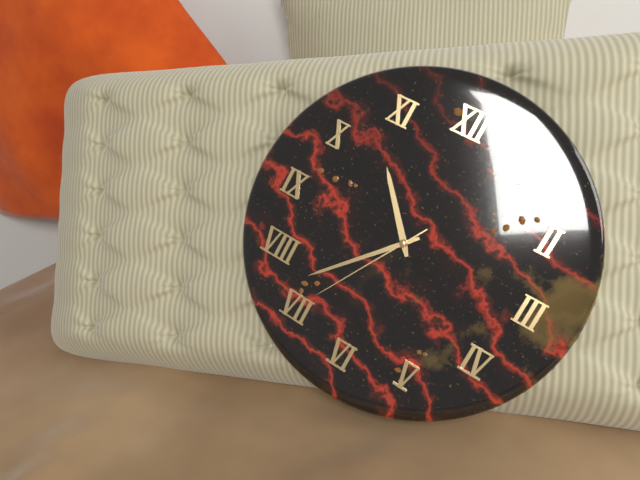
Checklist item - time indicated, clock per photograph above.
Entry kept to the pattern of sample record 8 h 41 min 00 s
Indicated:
10 h 37 min 35 s
